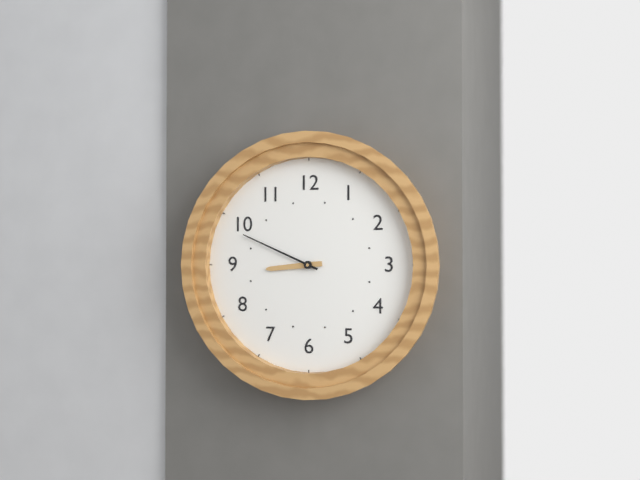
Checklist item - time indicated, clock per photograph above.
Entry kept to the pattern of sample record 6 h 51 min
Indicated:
8 h 49 min
